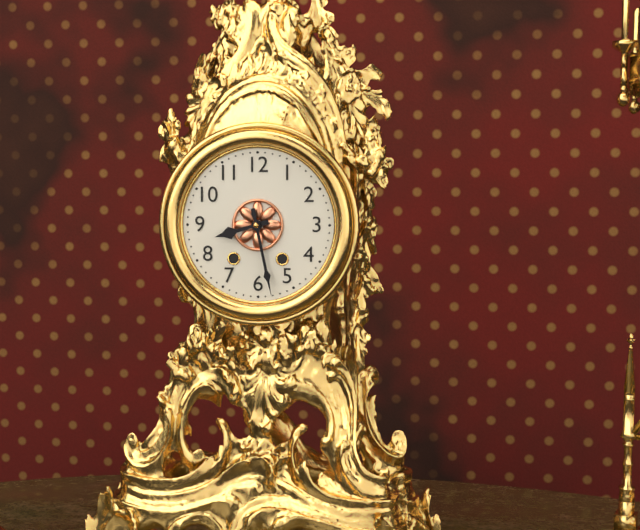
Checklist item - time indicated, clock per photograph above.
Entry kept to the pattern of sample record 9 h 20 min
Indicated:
8 h 28 min
